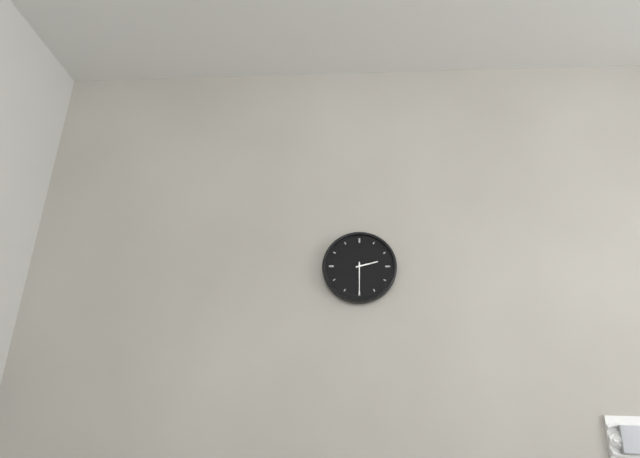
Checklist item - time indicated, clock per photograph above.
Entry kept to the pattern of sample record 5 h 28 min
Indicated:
2 h 30 min
